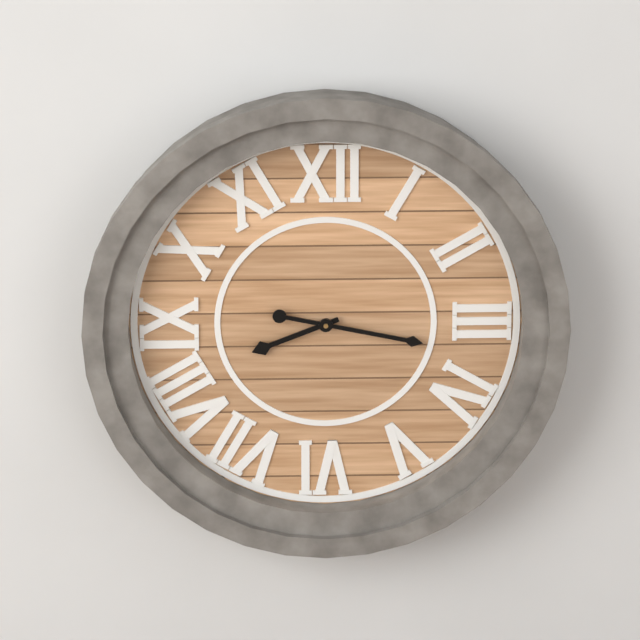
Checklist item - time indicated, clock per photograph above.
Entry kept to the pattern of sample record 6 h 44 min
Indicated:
8 h 17 min
